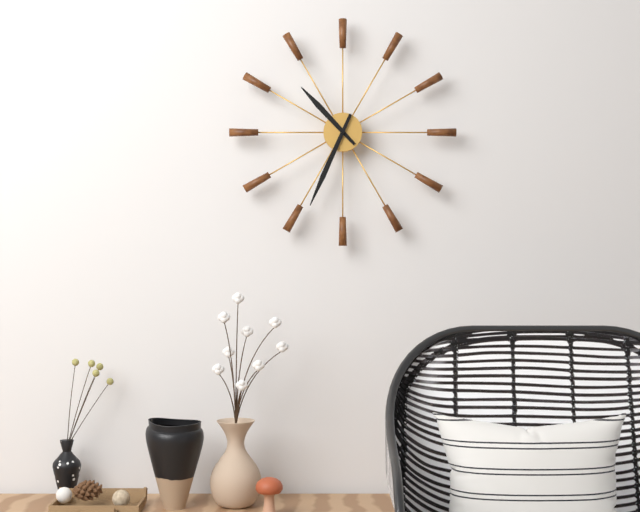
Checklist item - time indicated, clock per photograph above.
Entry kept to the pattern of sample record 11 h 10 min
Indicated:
10 h 34 min
